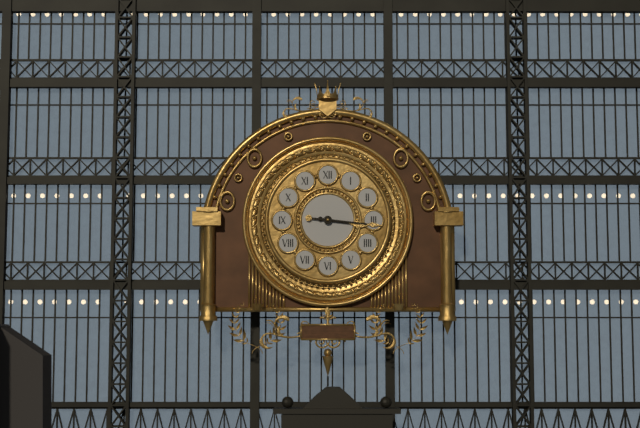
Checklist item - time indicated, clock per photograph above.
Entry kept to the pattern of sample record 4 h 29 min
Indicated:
3 h 16 min
